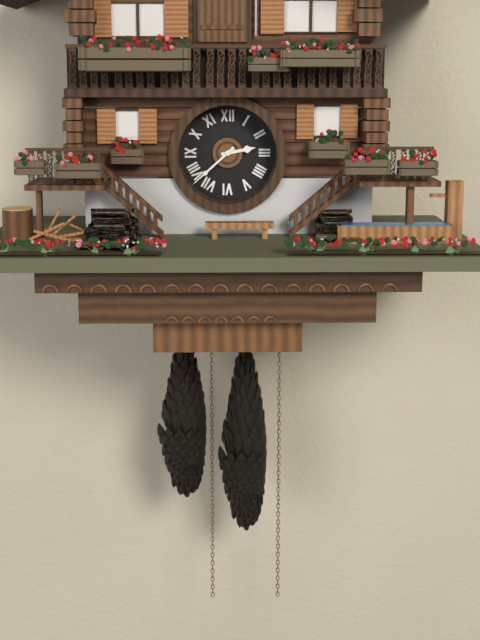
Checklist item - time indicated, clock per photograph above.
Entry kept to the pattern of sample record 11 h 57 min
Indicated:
2 h 38 min
